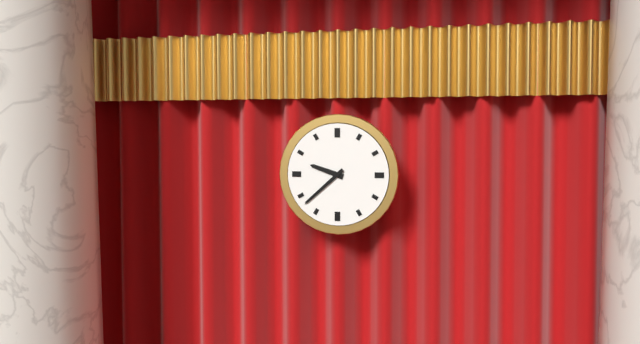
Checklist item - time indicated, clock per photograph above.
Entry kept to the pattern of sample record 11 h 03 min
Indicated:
9 h 38 min
